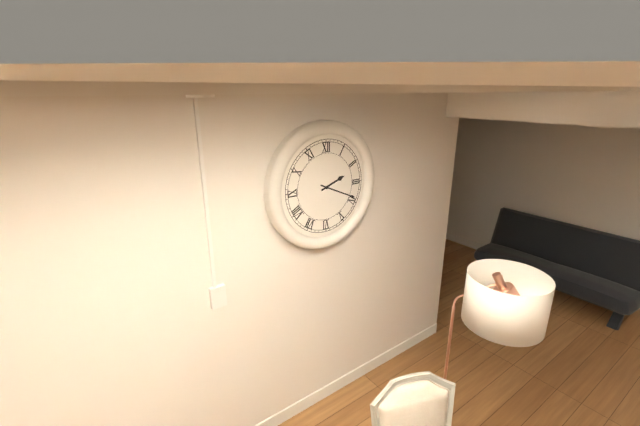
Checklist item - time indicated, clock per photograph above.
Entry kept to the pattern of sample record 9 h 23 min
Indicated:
2 h 19 min
